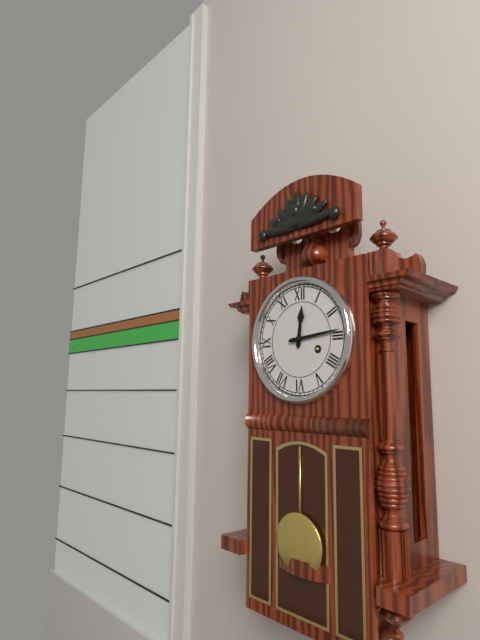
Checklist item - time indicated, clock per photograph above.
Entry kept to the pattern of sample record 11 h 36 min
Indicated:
12 h 14 min
